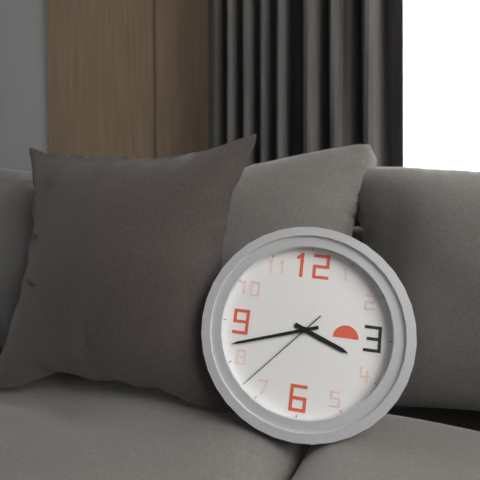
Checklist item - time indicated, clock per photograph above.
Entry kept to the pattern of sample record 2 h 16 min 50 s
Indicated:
3 h 42 min 37 s
